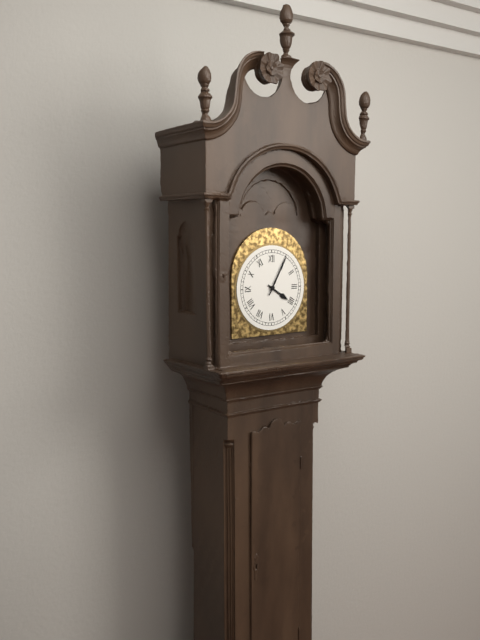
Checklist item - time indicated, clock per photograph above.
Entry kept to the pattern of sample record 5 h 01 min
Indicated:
4 h 05 min
